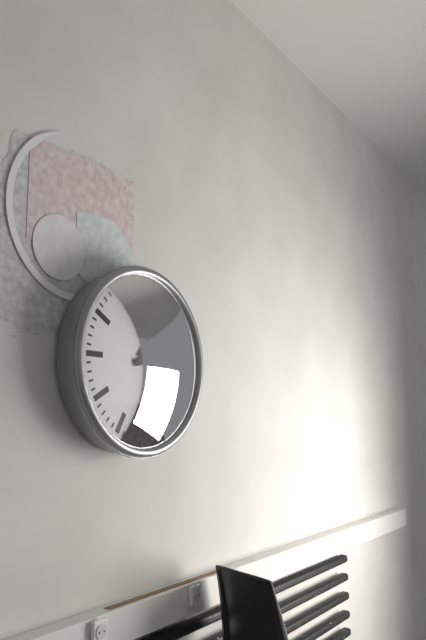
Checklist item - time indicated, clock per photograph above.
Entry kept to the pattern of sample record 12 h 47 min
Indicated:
4 h 13 min
